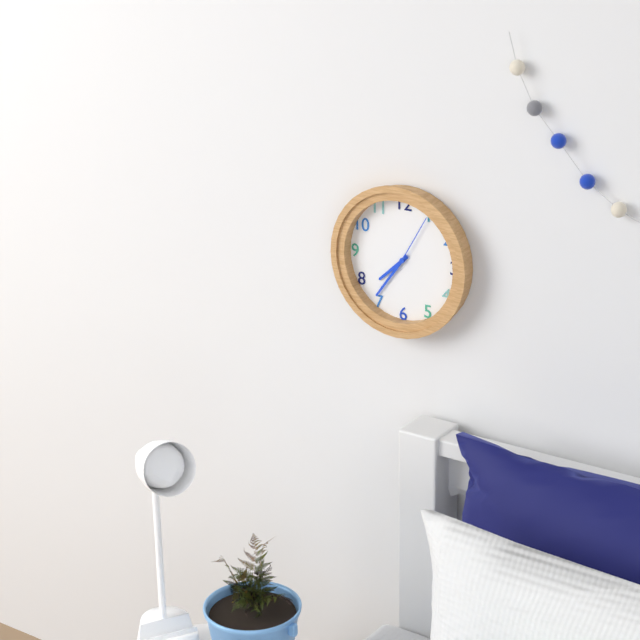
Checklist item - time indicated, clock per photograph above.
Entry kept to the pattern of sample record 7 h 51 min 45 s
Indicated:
7 h 36 min 05 s
